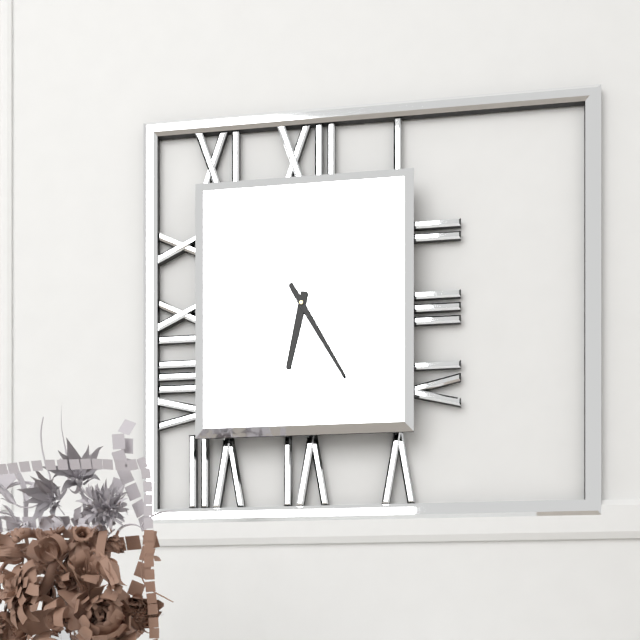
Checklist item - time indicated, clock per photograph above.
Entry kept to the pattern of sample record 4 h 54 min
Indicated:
6 h 25 min
